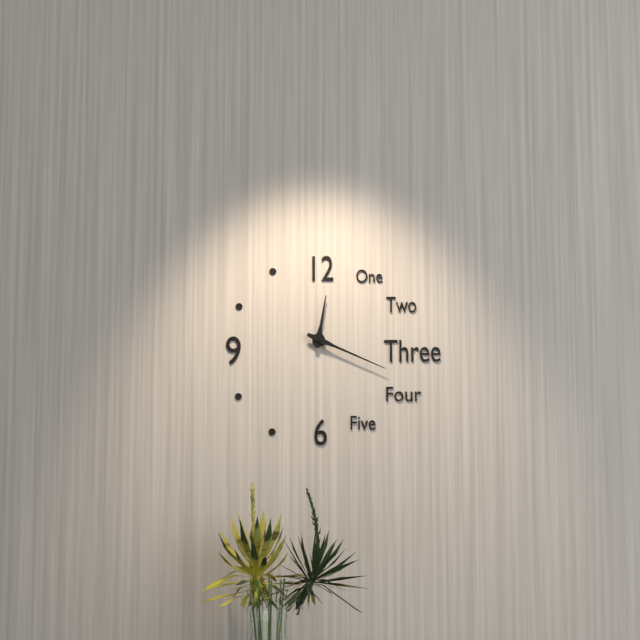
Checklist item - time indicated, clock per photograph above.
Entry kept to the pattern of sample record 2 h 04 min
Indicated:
12 h 19 min
